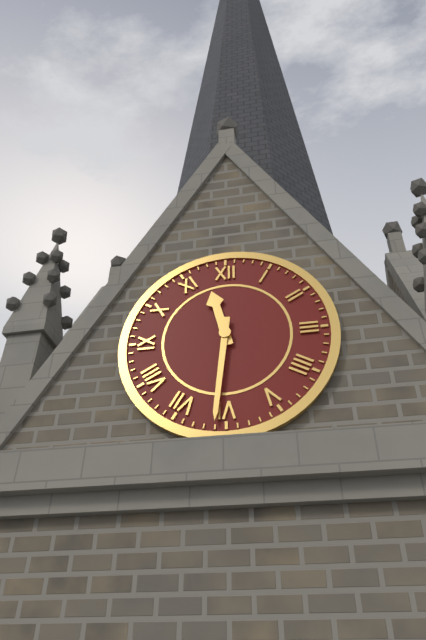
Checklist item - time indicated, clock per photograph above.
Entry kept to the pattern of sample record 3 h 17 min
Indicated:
11 h 31 min
